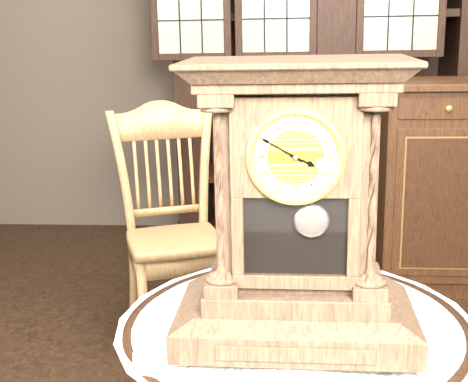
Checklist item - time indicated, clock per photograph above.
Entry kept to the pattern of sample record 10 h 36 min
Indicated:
3 h 50 min
